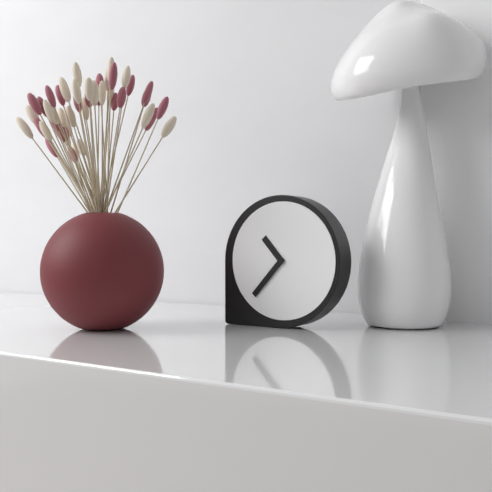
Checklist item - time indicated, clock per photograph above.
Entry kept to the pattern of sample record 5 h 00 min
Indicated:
10 h 37 min
